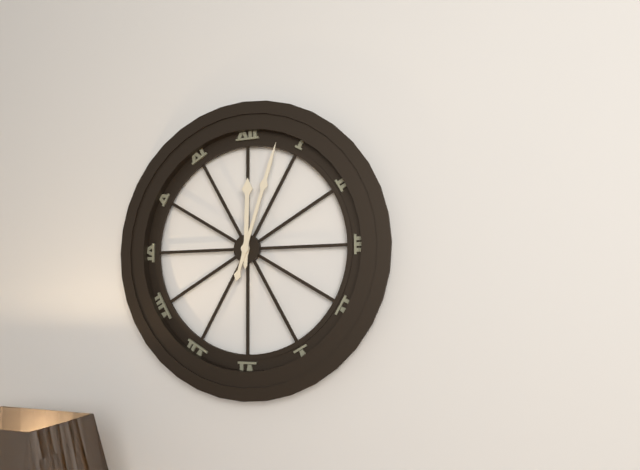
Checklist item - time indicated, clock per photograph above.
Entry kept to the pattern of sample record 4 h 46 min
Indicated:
12 h 03 min
